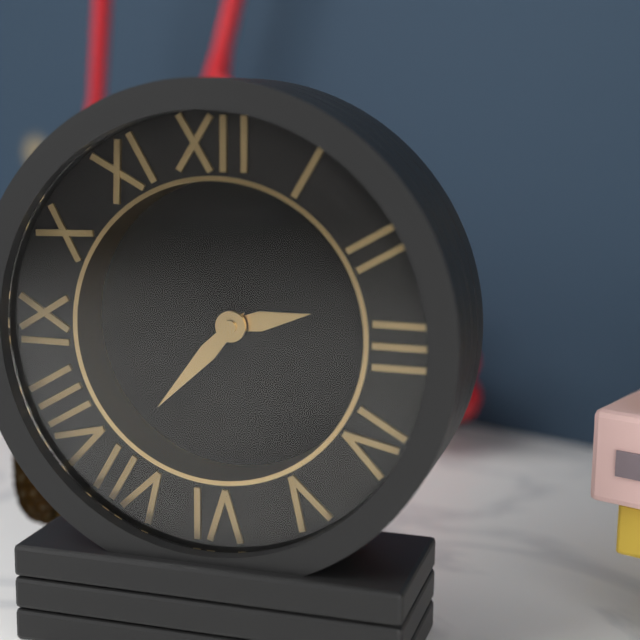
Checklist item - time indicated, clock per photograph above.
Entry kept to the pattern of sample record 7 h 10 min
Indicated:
2 h 37 min
